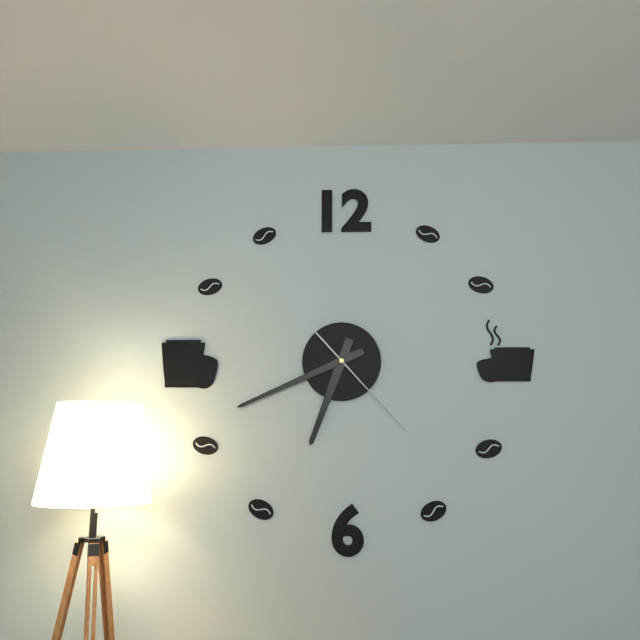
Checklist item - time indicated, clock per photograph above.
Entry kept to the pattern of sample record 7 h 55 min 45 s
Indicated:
6 h 41 min 23 s
